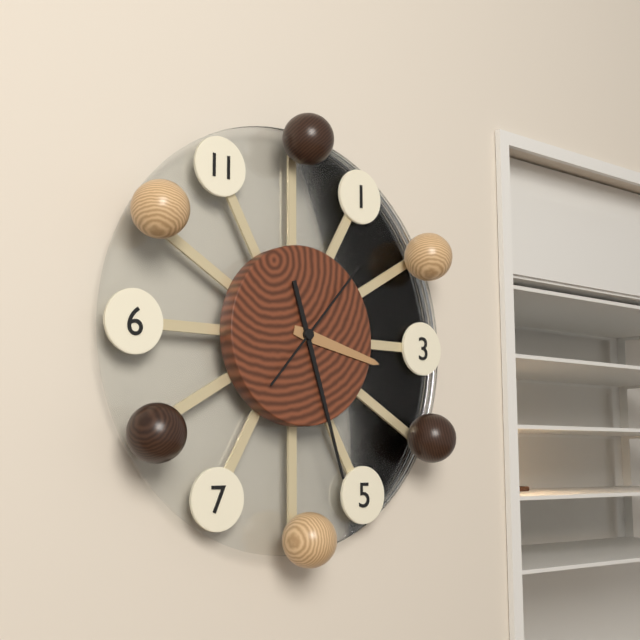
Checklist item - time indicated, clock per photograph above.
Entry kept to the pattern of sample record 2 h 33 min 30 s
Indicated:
3 h 27 min 07 s
